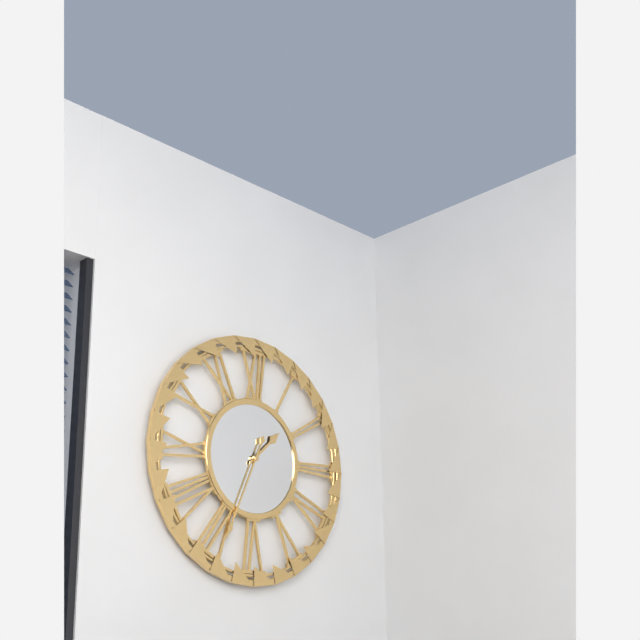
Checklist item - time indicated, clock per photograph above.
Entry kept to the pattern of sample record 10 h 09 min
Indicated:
1 h 34 min
